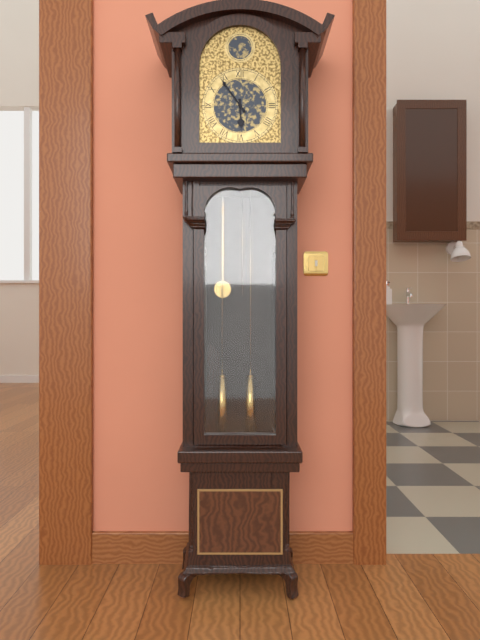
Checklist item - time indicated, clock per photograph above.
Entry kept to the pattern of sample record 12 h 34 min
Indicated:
5 h 54 min
